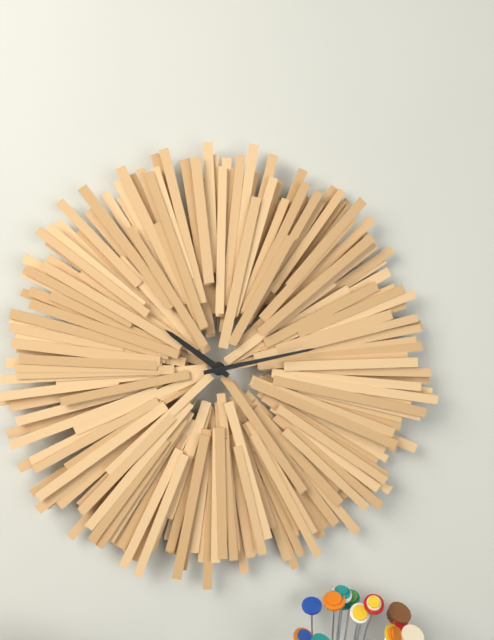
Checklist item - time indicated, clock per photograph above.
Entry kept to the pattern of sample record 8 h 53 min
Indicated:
10 h 13 min
